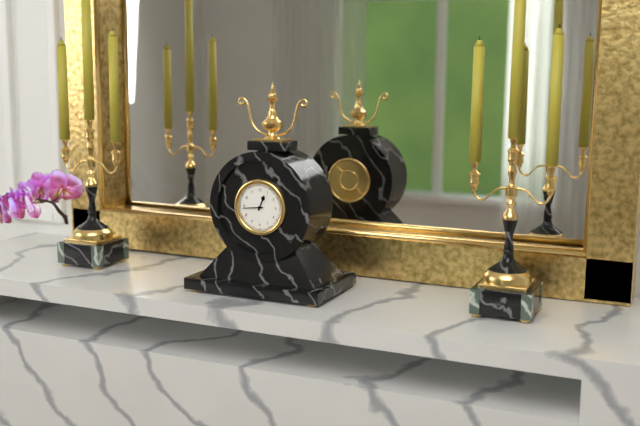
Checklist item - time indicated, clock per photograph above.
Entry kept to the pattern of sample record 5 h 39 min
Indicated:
12 h 44 min
